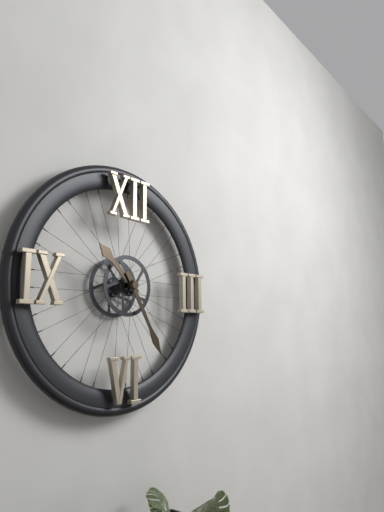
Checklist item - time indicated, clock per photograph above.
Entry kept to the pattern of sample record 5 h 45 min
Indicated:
10 h 25 min
